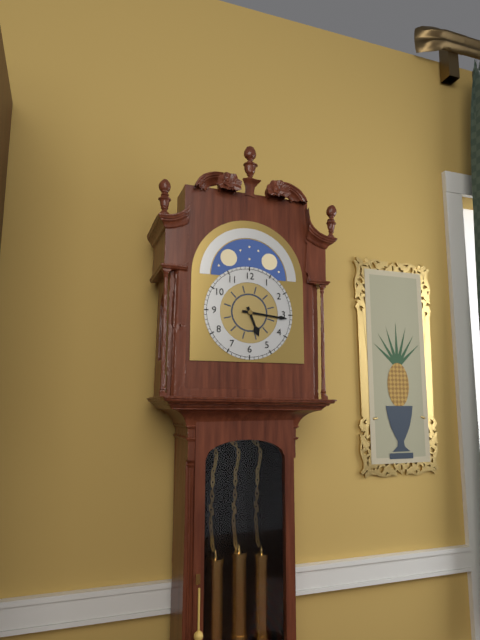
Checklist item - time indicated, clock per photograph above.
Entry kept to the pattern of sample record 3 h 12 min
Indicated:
5 h 16 min
